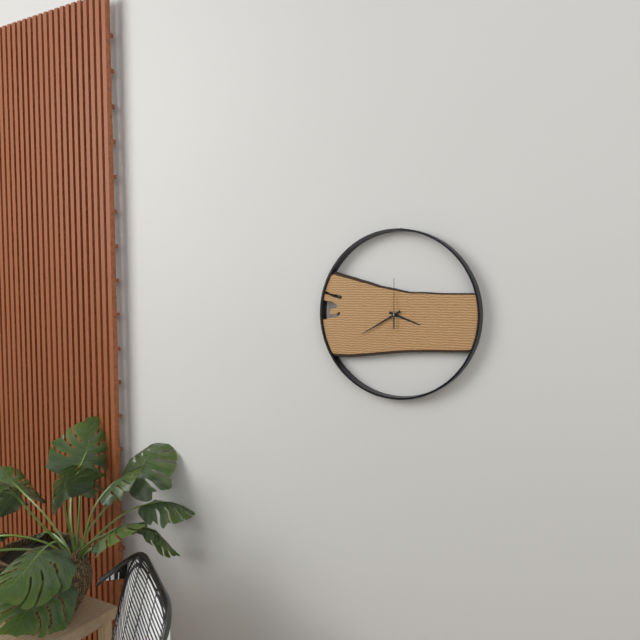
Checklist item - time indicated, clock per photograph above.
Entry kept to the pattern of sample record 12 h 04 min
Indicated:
3 h 40 min
